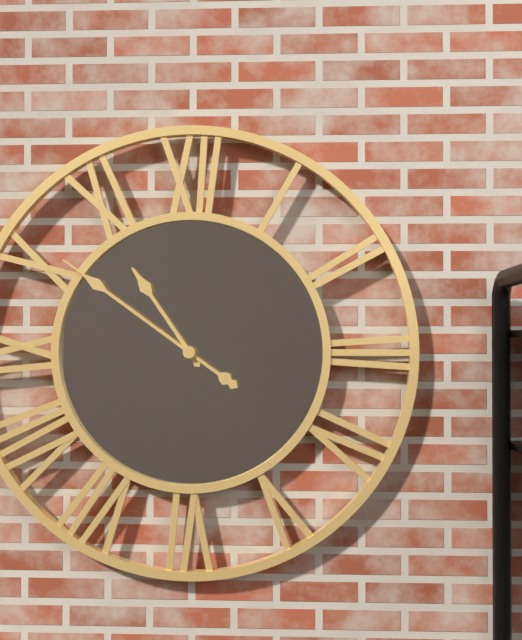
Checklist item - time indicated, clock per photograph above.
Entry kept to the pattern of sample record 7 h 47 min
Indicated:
10 h 51 min
